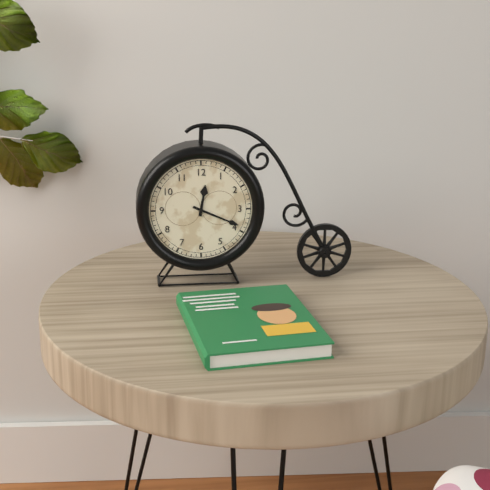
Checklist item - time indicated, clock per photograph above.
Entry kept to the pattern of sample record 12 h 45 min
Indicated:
12 h 19 min
